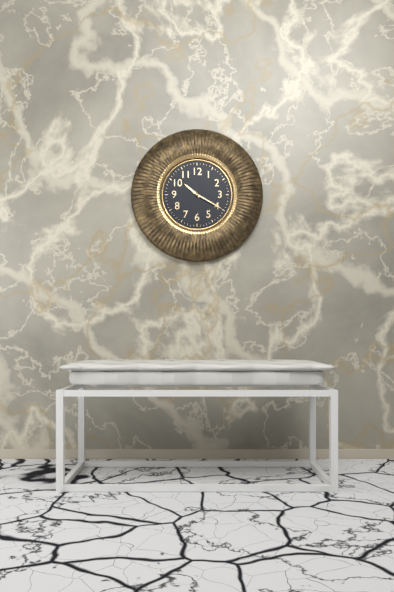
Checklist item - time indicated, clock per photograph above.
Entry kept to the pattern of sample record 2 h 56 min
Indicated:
10 h 20 min
